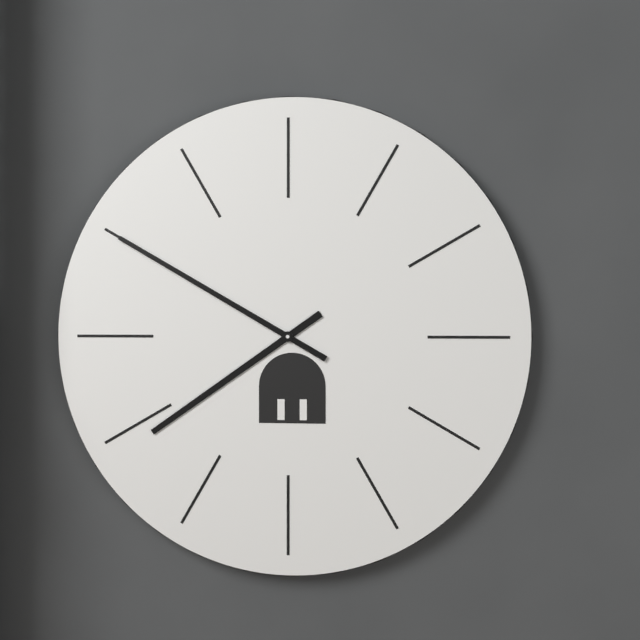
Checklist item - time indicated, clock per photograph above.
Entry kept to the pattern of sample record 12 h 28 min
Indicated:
7 h 50 min
